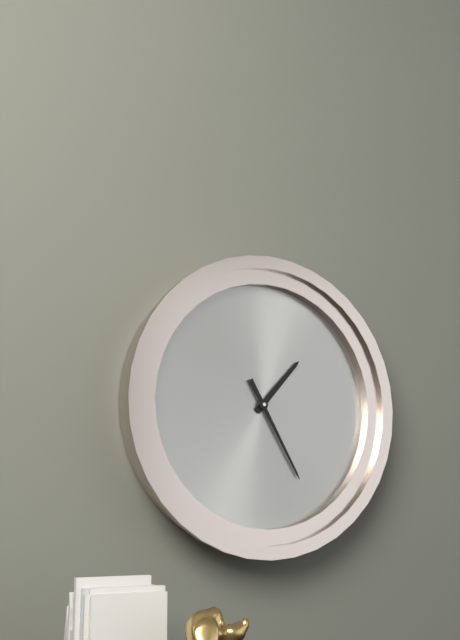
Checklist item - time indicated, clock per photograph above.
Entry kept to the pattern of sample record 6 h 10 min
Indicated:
1 h 25 min
